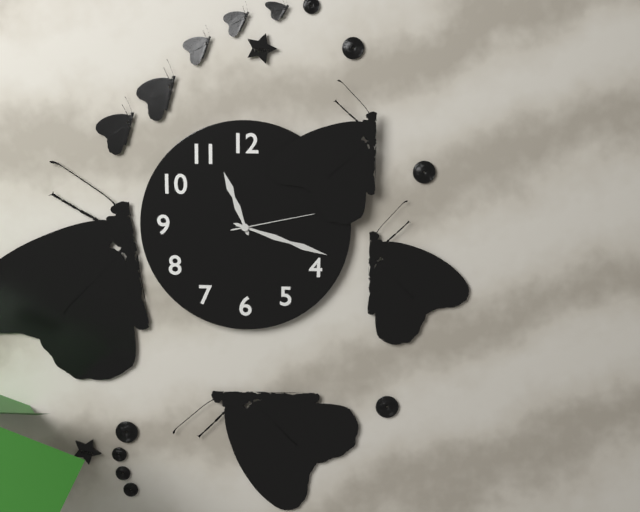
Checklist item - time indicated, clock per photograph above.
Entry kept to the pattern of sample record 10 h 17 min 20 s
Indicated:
11 h 18 min 13 s
